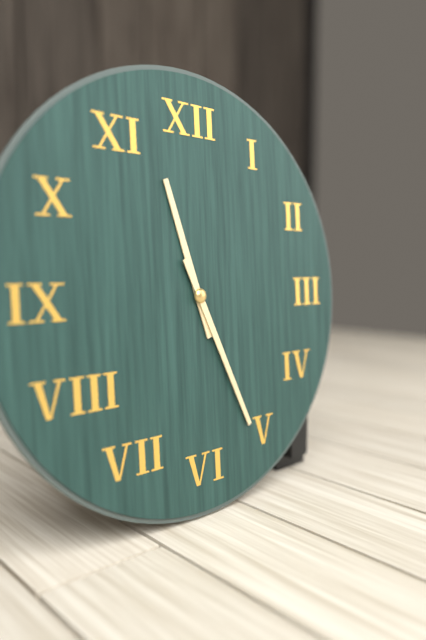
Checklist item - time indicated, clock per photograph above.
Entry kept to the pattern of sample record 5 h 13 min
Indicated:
11 h 26 min
